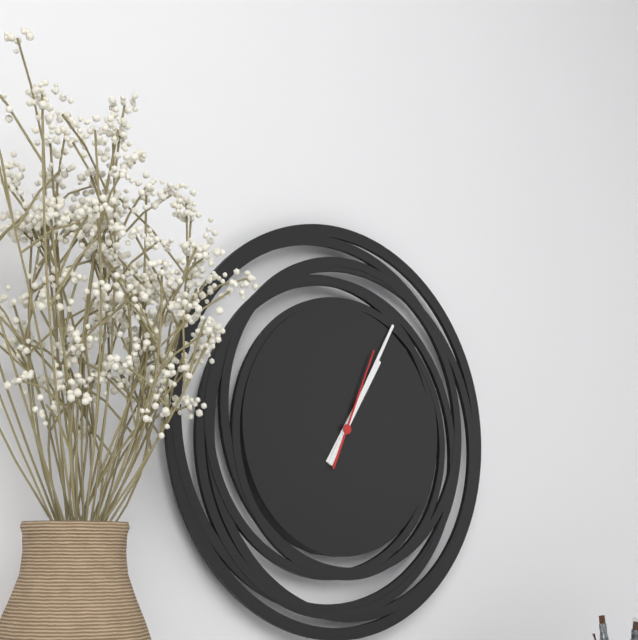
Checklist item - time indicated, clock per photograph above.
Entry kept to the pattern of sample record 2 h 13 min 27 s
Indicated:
1 h 05 min 04 s
